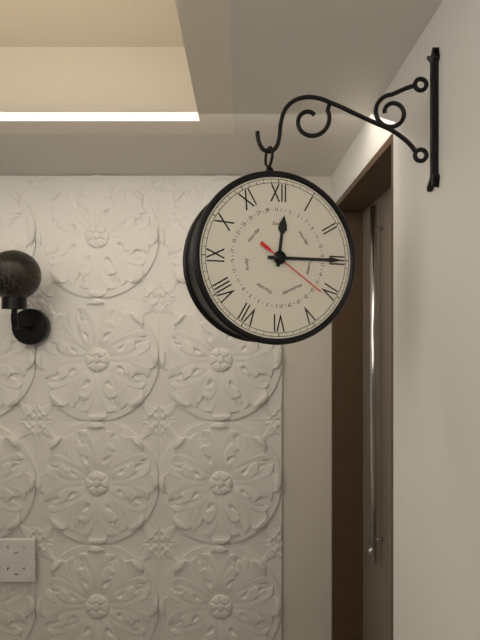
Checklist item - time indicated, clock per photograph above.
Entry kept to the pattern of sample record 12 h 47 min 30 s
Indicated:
12 h 15 min 21 s
